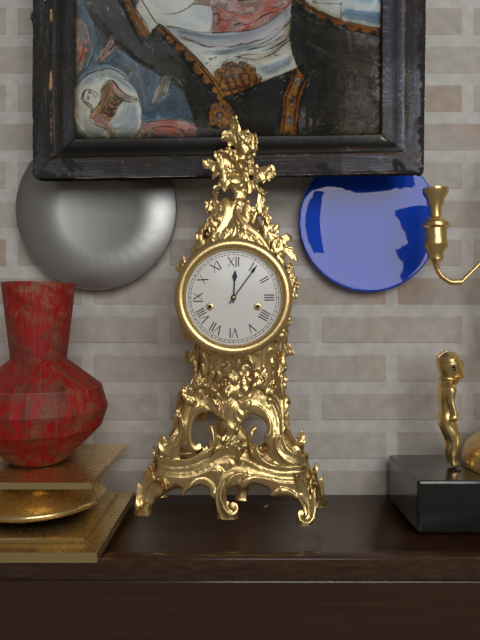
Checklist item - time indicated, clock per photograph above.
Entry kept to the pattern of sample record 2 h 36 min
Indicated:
12 h 06 min
